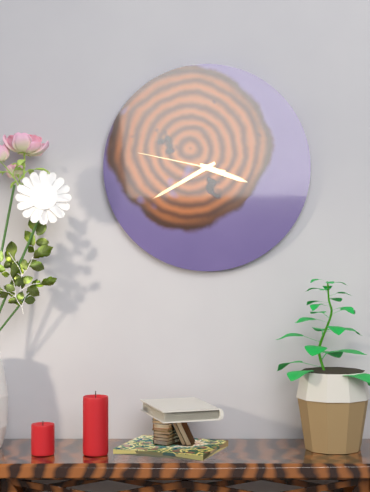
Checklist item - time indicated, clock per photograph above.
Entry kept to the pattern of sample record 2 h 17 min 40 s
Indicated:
3 h 40 min 47 s
